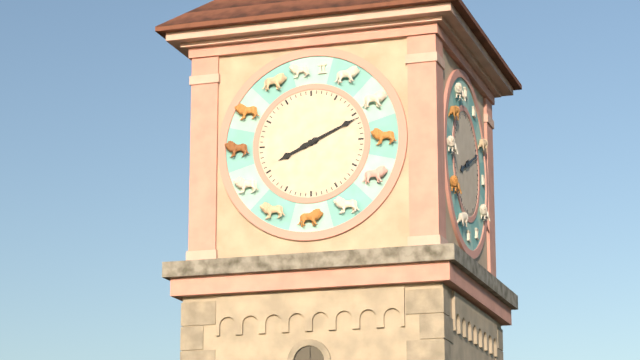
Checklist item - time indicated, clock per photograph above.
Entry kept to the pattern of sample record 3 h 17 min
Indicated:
8 h 11 min
